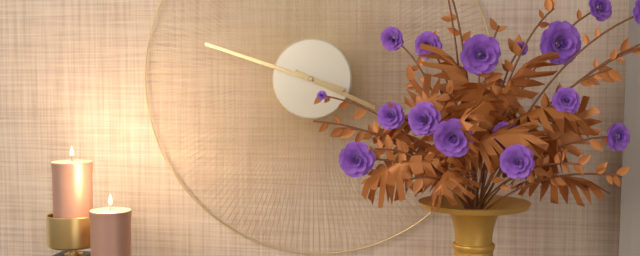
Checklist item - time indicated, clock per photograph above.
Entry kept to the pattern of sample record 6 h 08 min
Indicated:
3 h 48 min
